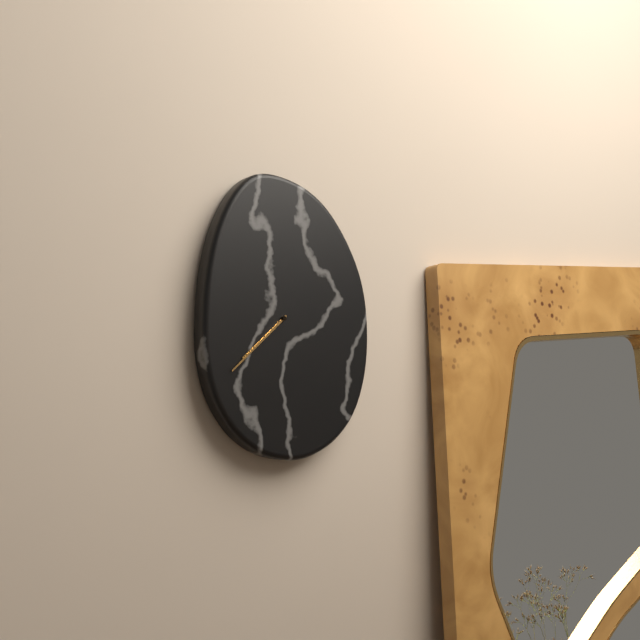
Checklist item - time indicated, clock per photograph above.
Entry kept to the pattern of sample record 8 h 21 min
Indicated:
7 h 38 min
